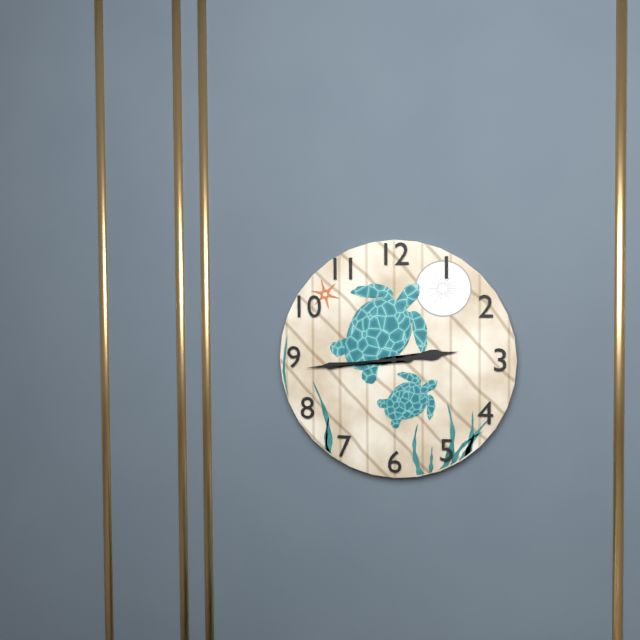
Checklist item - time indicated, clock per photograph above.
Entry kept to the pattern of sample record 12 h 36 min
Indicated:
2 h 44 min
